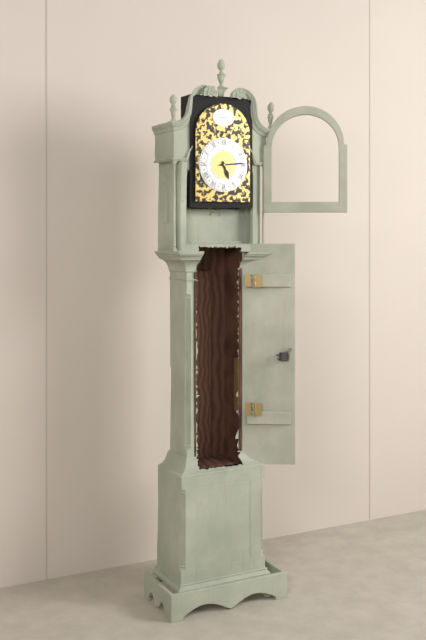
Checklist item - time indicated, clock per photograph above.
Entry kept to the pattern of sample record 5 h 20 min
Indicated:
5 h 14 min
